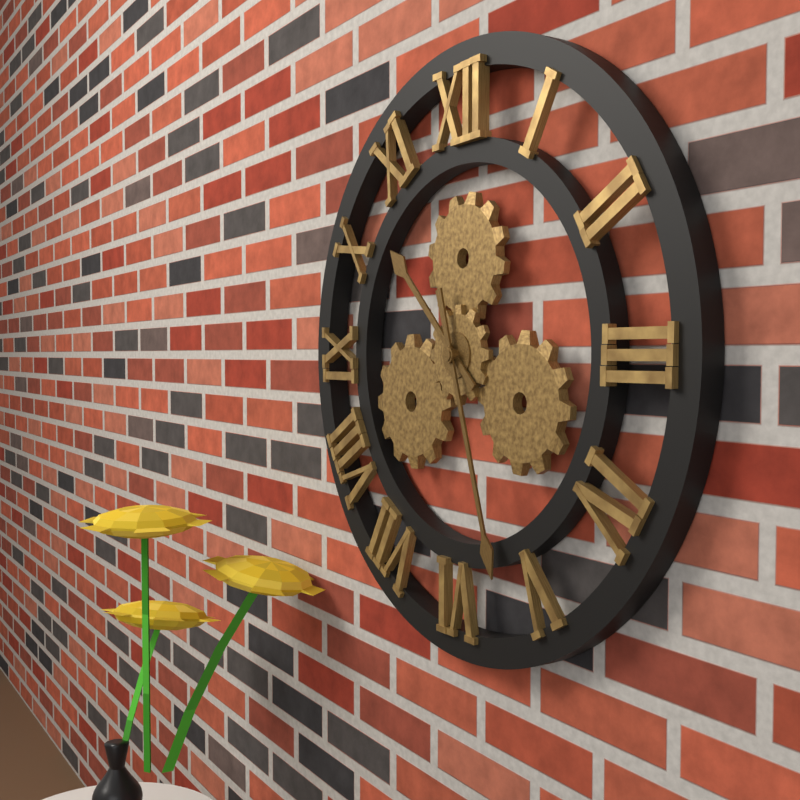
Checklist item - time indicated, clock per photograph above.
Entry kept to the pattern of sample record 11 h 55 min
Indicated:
10 h 27 min
